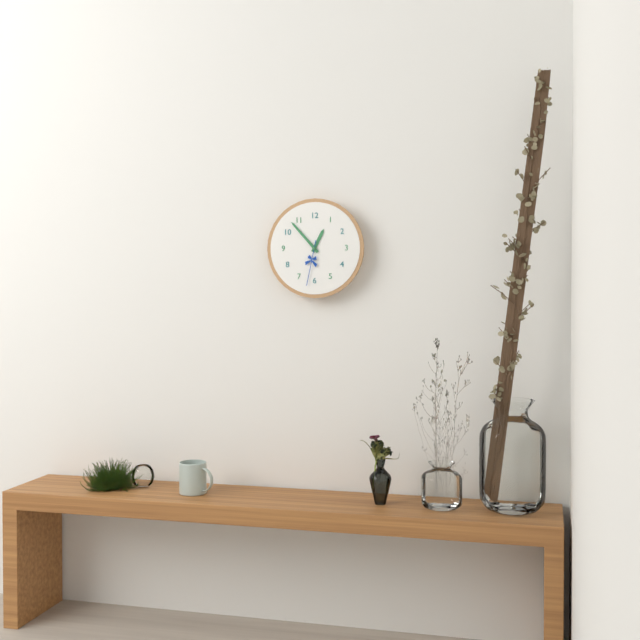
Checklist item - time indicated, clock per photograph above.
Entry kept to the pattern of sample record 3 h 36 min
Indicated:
12 h 53 min
